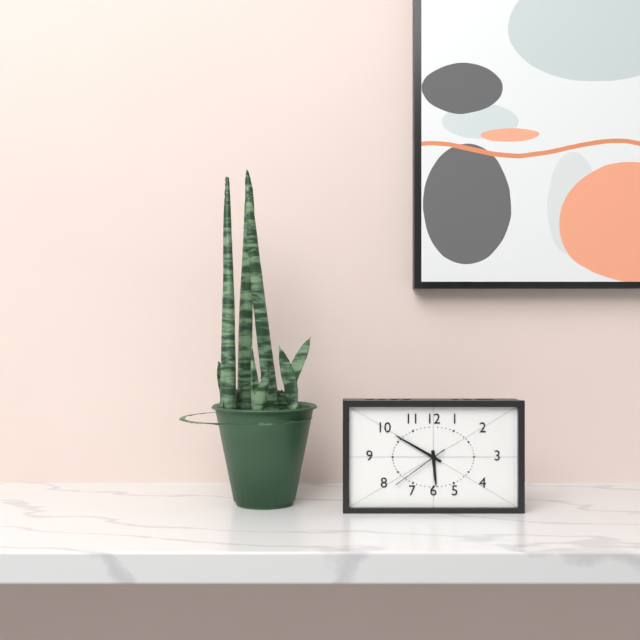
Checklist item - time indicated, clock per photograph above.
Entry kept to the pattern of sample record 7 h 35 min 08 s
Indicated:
5 h 50 min 39 s
